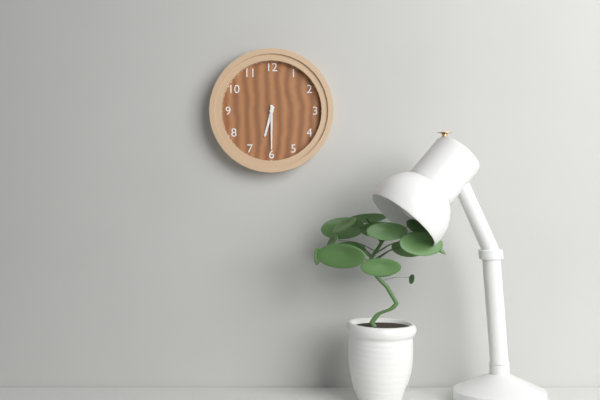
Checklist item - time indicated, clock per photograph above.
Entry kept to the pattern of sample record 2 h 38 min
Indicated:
6 h 30 min
